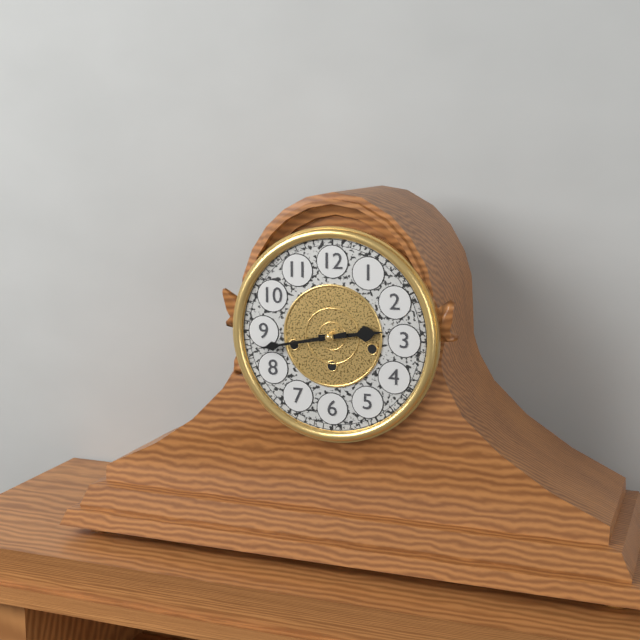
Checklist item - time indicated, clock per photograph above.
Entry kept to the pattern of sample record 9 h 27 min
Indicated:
2 h 43 min
